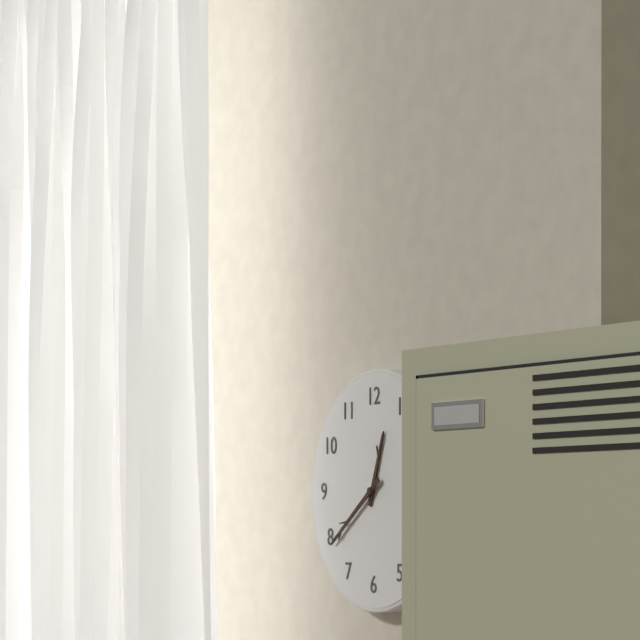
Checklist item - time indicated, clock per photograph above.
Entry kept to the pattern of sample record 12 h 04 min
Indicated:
12 h 39 min
